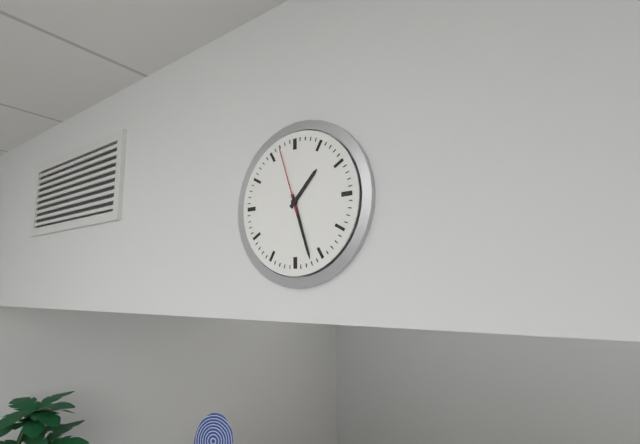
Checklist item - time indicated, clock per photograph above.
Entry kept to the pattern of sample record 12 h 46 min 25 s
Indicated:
1 h 27 min 57 s
